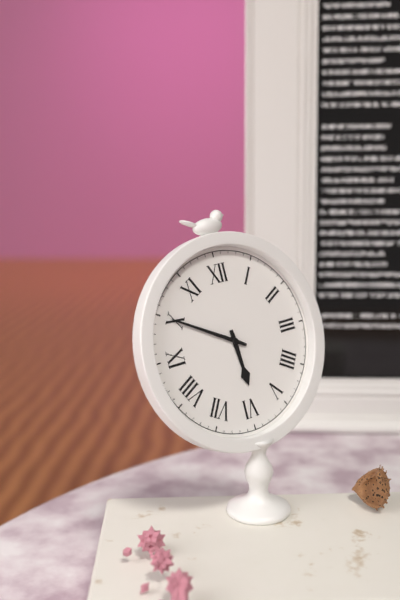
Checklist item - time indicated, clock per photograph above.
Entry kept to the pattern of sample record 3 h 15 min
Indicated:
5 h 50 min
